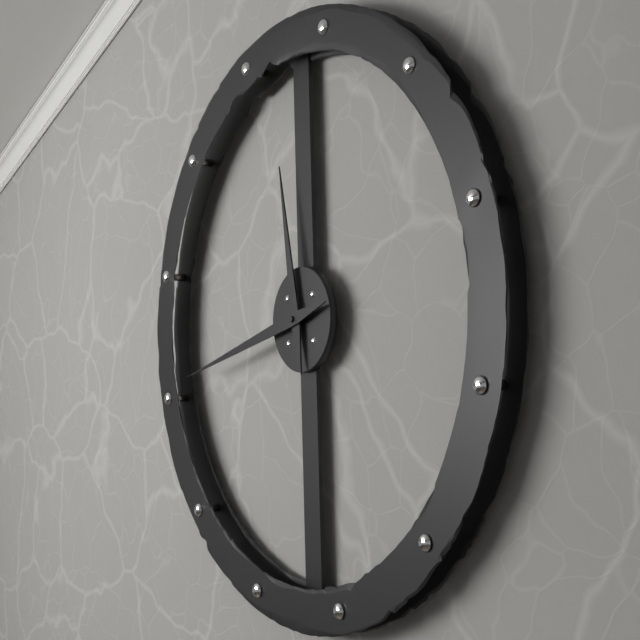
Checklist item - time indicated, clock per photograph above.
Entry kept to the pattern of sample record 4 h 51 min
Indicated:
11 h 43 min
